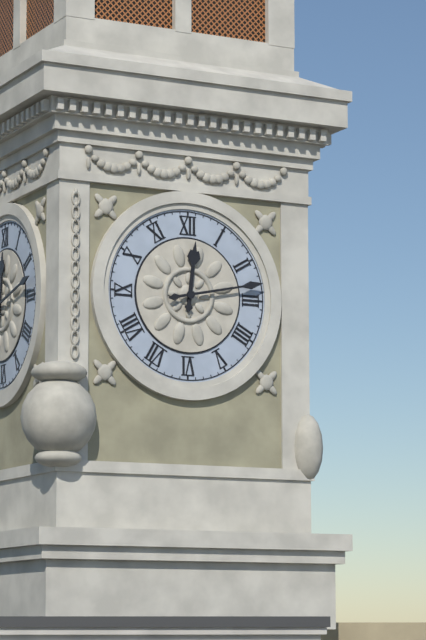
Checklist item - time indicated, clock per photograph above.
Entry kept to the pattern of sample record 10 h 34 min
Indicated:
12 h 13 min
